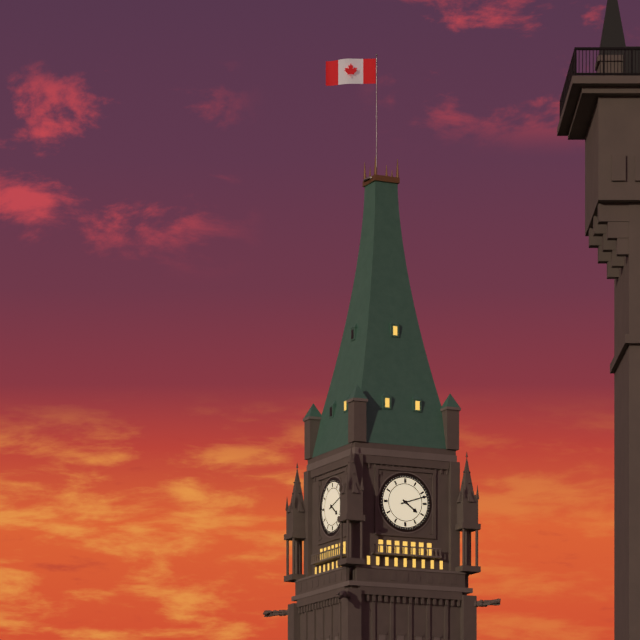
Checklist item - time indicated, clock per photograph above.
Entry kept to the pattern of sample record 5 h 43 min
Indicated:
4 h 12 min
